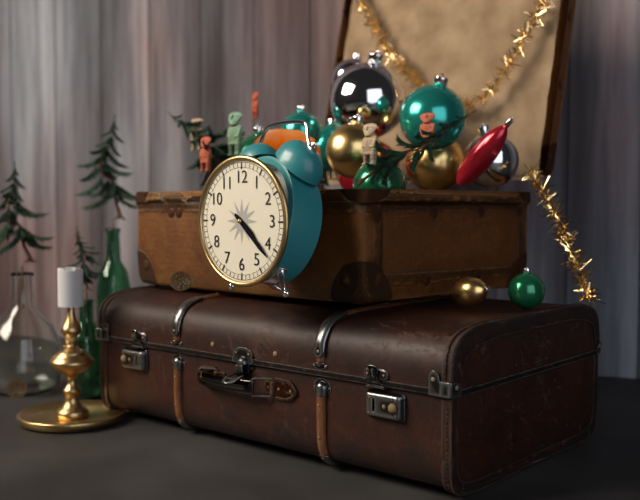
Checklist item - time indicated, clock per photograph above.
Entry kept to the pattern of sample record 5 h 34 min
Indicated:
4 h 22 min
